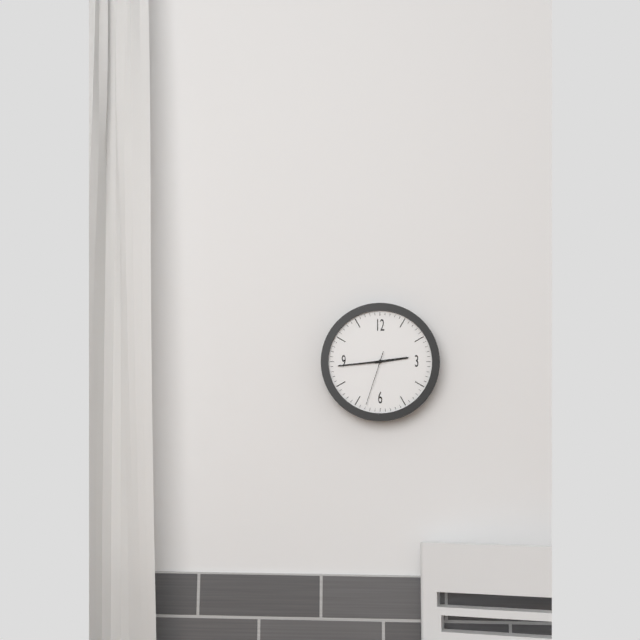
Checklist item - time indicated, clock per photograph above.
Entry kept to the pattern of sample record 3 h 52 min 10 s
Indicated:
2 h 44 min 33 s
